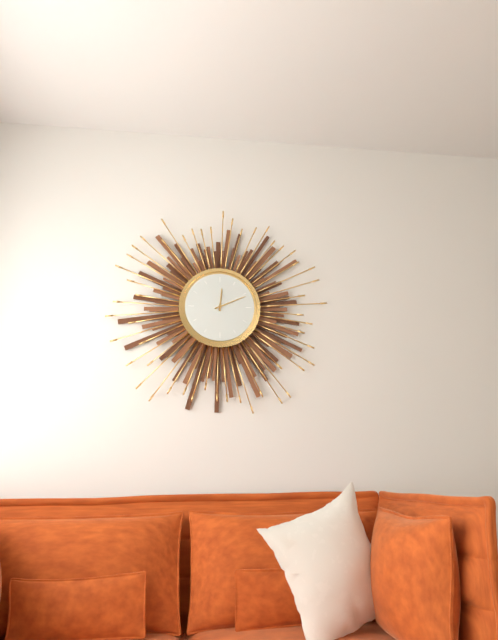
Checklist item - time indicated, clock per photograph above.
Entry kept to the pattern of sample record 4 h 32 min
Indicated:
12 h 11 min
